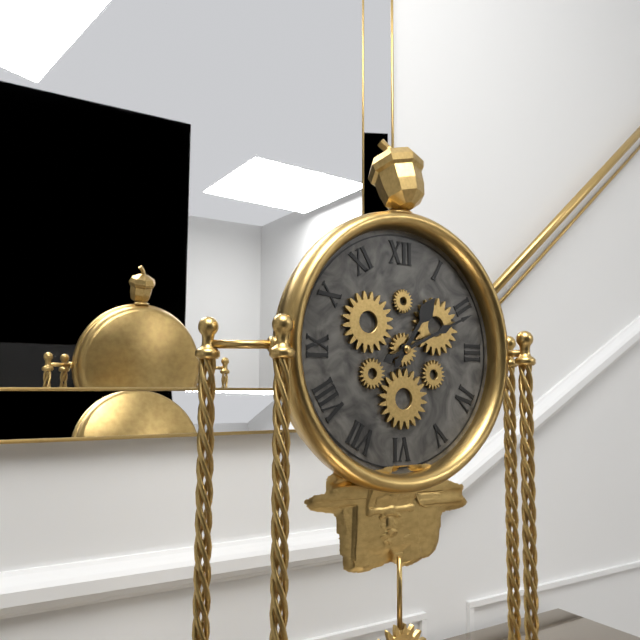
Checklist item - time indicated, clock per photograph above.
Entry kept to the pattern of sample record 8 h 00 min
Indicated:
1 h 11 min
